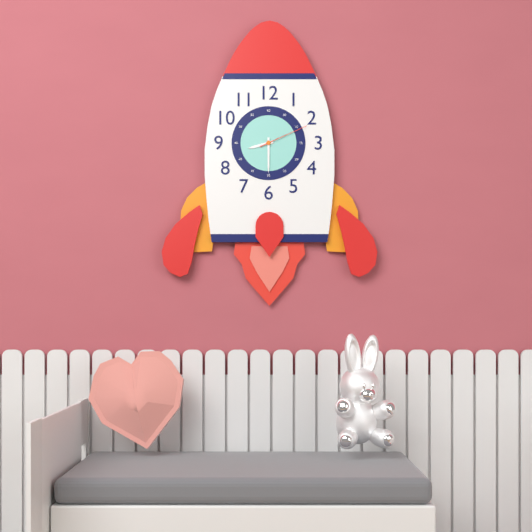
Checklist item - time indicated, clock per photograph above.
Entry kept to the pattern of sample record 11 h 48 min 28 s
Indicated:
8 h 30 min 11 s
